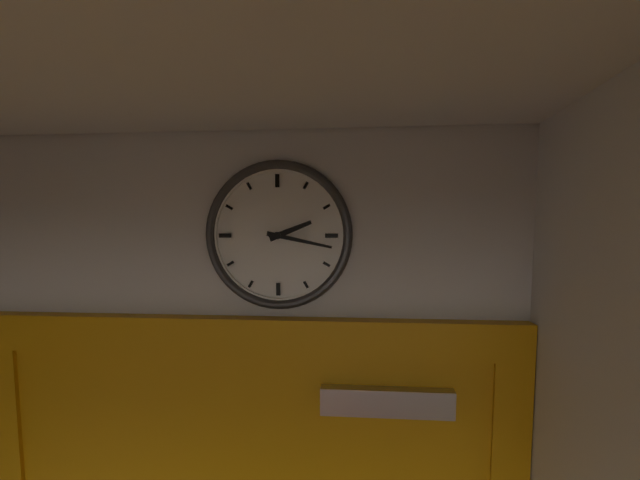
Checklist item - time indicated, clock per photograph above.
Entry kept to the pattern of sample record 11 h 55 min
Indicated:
2 h 17 min
